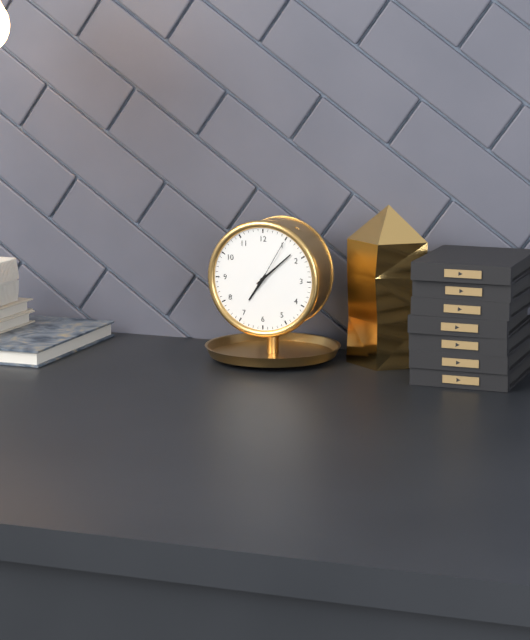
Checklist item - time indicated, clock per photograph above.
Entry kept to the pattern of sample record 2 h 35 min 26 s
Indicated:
7 h 08 min 05 s
